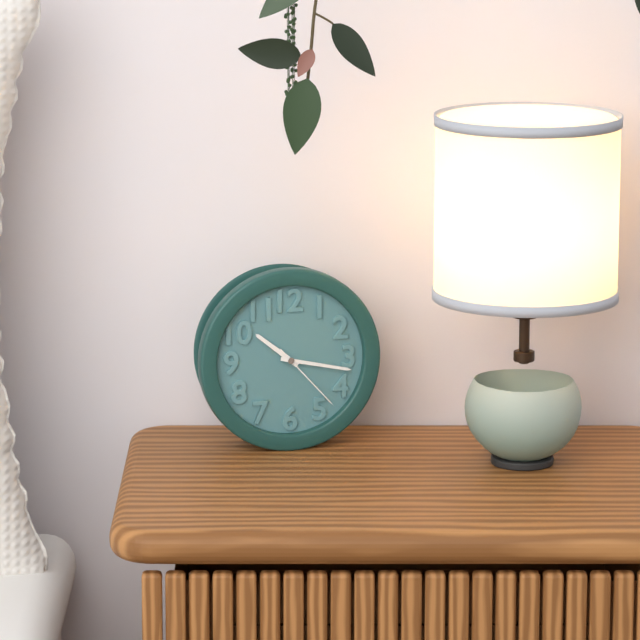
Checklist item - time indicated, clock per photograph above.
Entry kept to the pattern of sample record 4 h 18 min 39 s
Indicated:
10 h 17 min 23 s
